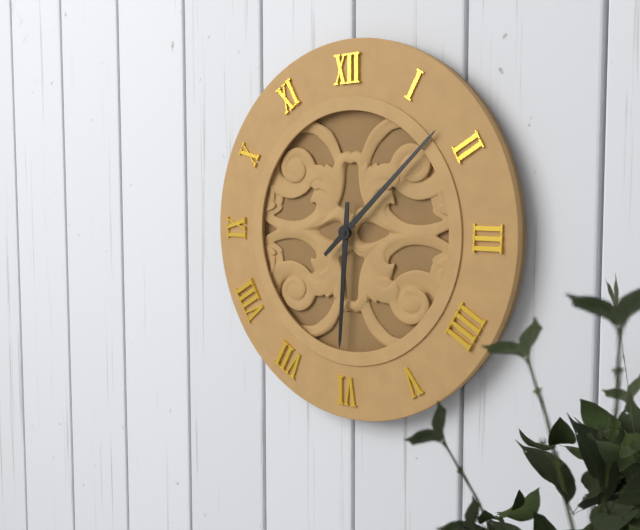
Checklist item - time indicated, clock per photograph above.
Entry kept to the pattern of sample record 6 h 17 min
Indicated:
6 h 08 min
